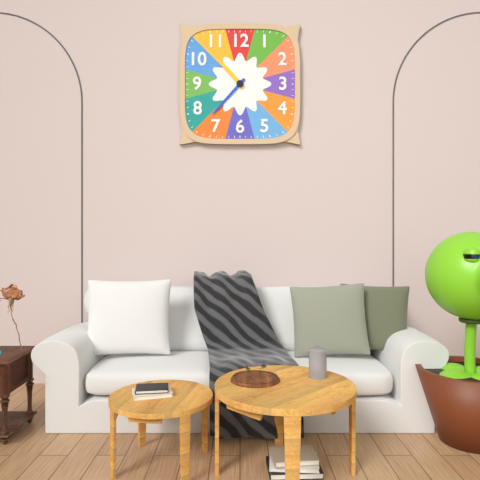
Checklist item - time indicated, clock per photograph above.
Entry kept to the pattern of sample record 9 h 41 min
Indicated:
10 h 37 min
